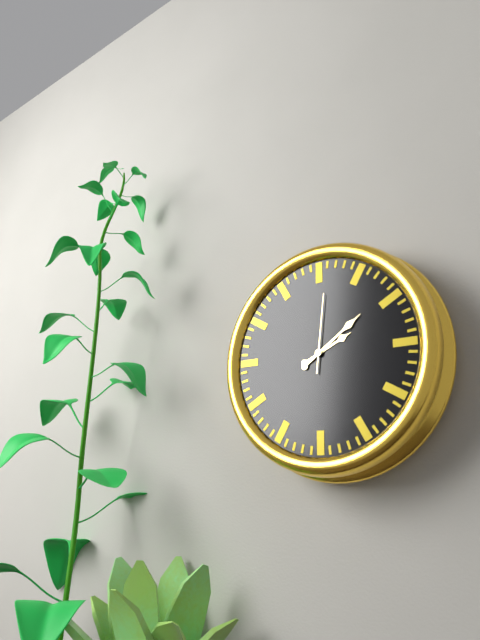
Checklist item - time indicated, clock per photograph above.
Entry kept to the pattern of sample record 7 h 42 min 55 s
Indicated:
2 h 09 min 01 s
